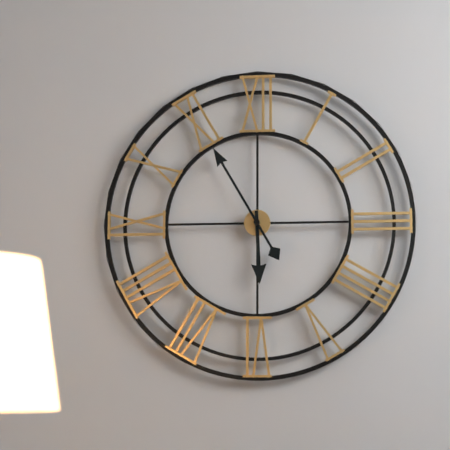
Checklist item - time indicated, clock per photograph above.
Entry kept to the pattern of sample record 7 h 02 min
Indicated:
5 h 55 min
